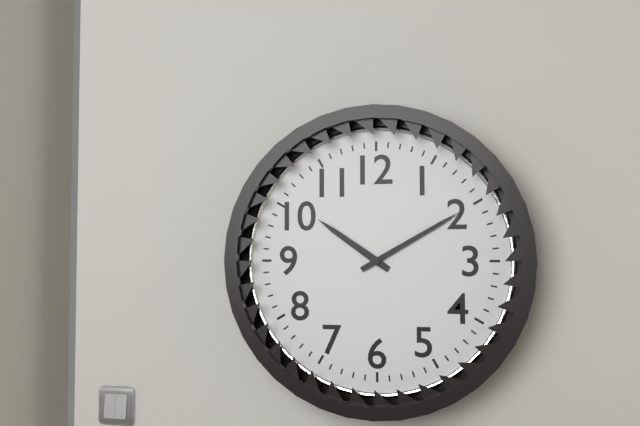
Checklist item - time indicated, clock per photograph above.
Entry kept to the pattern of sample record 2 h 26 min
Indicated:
10 h 10 min
